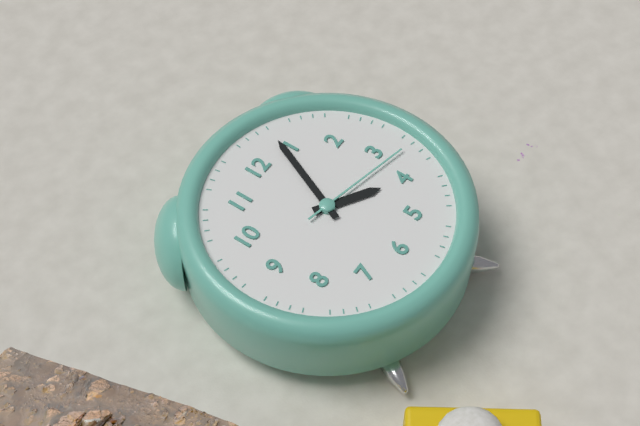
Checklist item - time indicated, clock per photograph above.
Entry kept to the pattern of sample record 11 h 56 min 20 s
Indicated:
4 h 04 min 17 s
